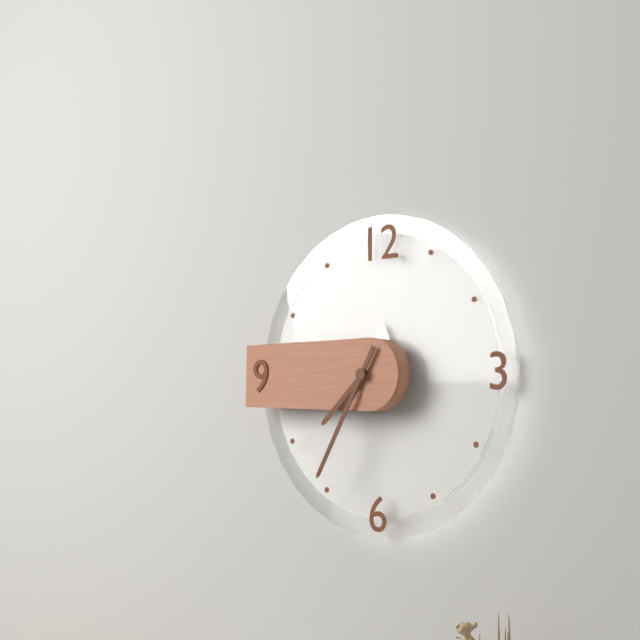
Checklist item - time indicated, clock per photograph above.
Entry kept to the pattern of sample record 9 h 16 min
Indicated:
7 h 35 min
